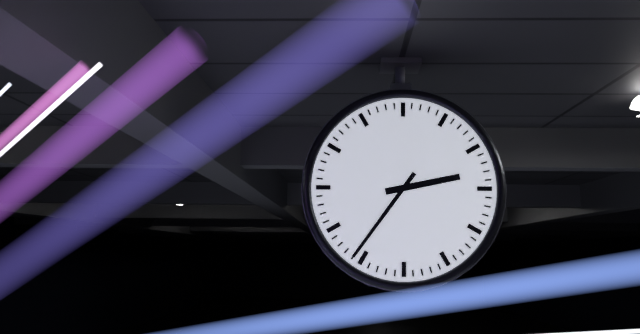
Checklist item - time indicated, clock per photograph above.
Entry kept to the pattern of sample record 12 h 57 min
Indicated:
2 h 36 min
